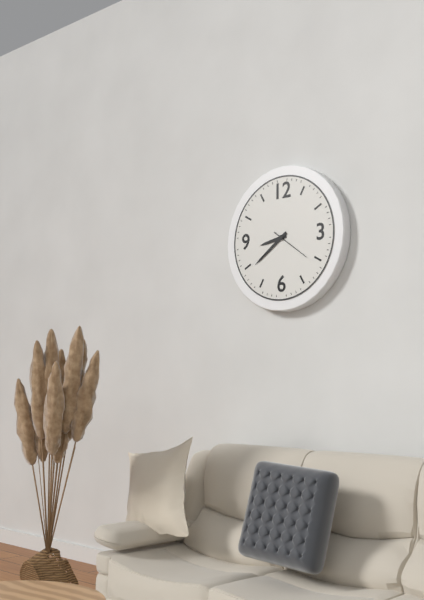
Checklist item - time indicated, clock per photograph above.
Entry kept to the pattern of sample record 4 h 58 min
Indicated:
8 h 39 min
